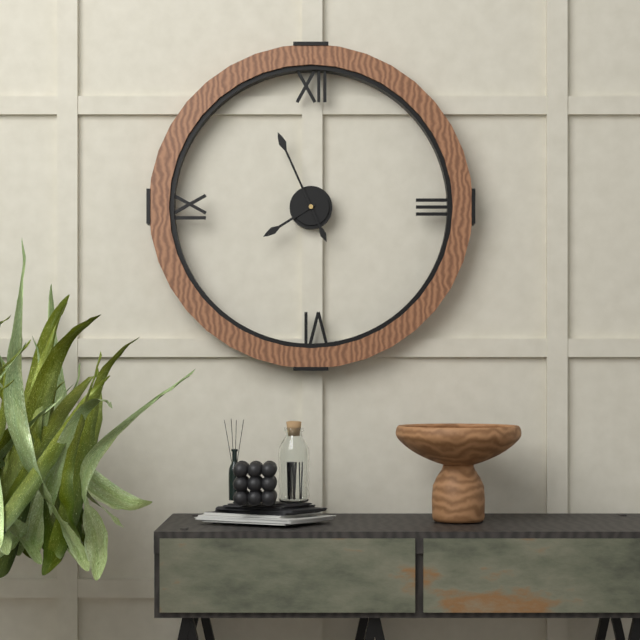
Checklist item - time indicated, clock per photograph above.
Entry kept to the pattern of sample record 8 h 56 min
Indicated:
7 h 56 min
